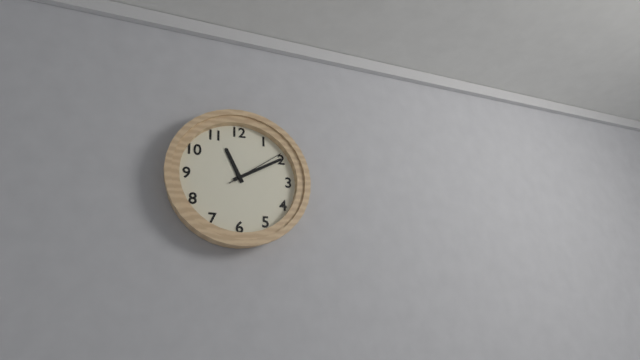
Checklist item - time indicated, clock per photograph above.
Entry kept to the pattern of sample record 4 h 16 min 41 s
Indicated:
11 h 10 min 09 s
